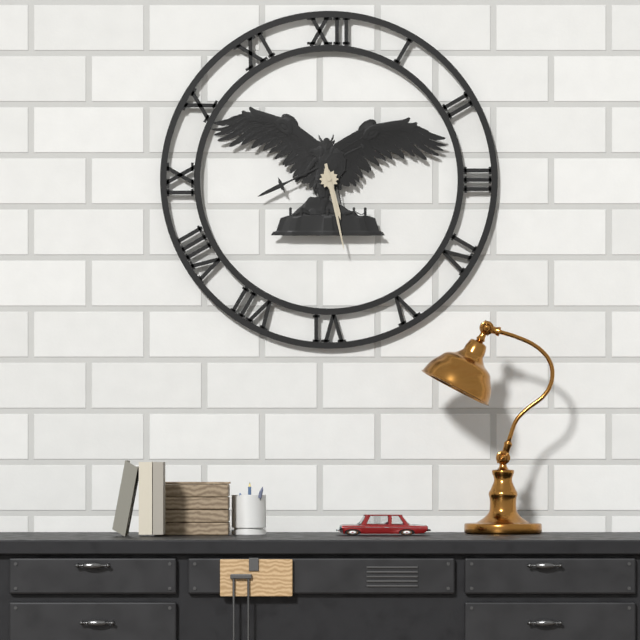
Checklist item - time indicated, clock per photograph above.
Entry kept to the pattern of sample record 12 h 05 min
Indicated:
5 h 28 min
